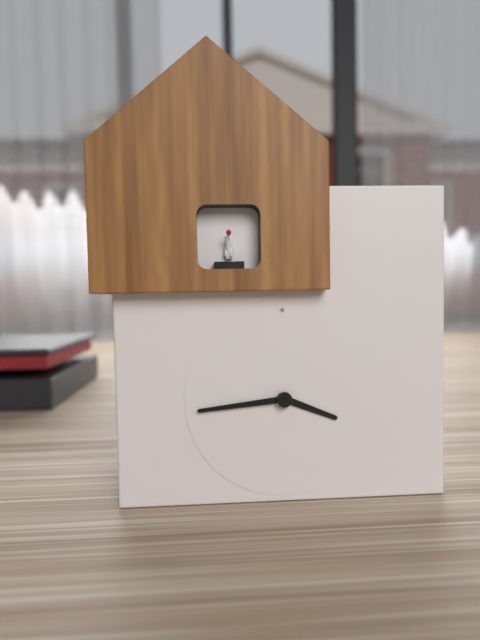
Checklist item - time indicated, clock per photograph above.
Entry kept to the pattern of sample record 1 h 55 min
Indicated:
3 h 44 min
